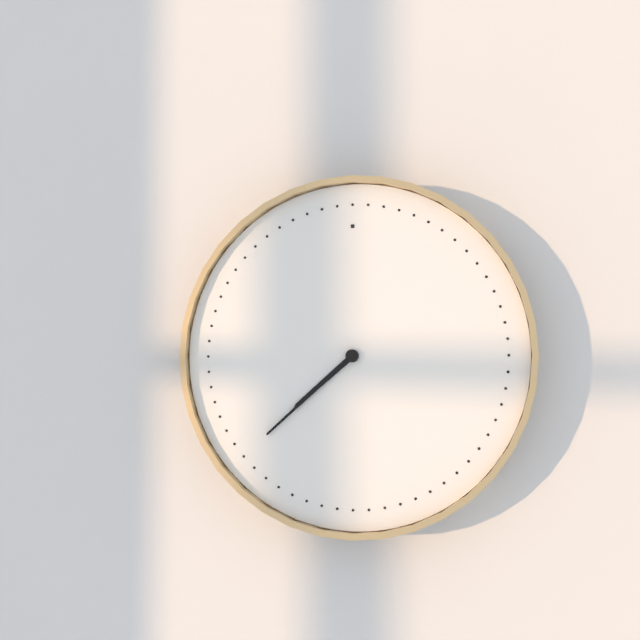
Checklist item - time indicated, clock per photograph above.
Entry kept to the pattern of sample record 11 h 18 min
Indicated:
7 h 38 min
